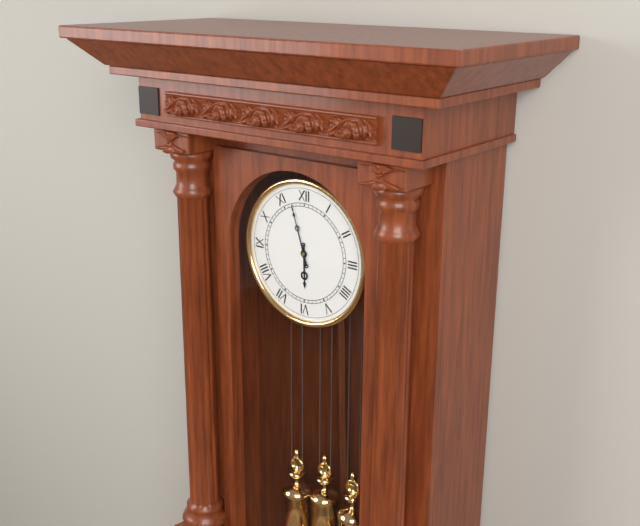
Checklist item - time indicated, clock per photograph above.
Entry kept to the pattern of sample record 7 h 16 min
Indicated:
5 h 57 min
